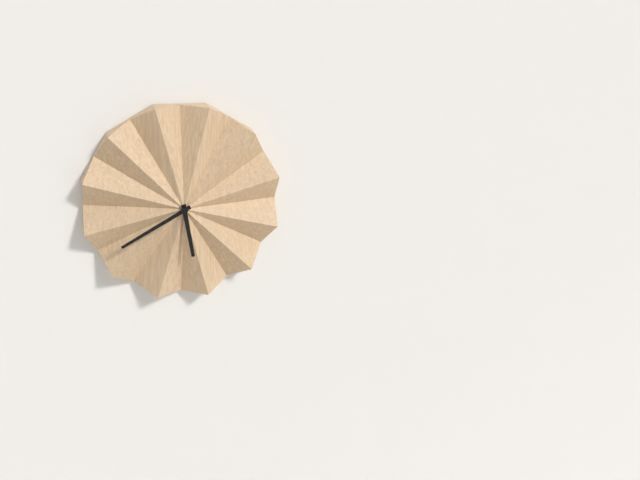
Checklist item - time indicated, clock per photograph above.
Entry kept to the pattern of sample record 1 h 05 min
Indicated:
5 h 40 min
